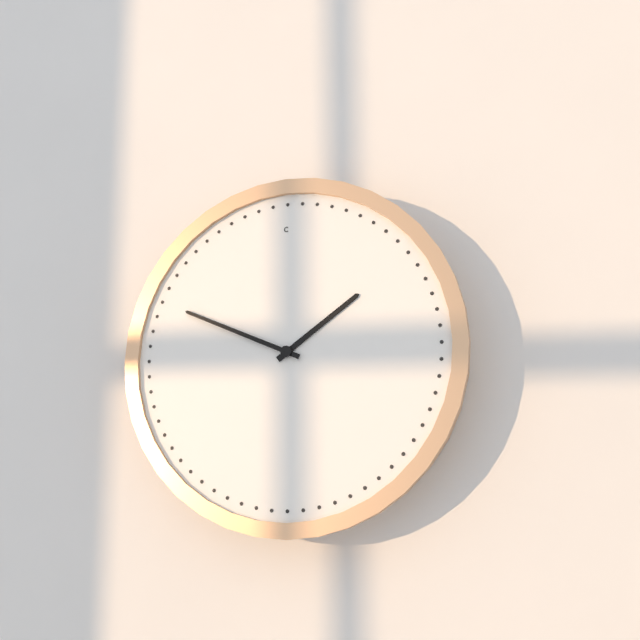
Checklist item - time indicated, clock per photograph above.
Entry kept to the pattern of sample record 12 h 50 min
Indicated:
1 h 49 min
